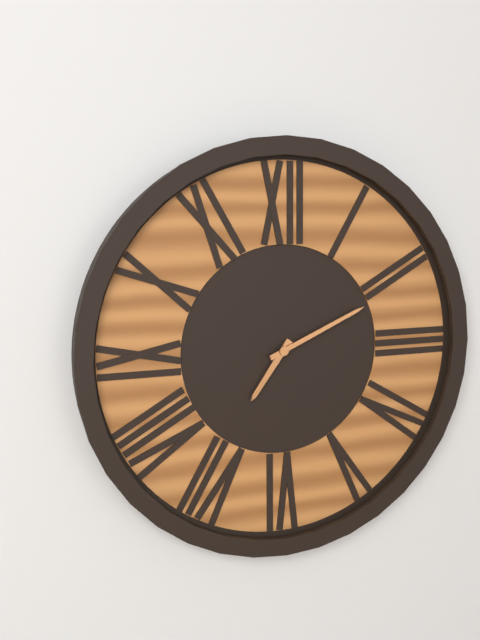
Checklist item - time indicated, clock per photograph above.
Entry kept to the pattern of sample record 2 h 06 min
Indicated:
7 h 11 min
